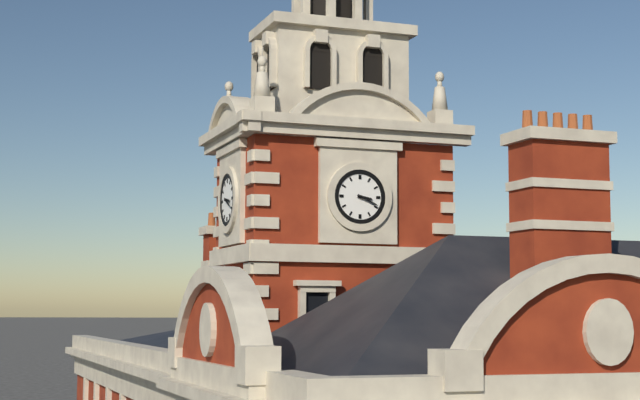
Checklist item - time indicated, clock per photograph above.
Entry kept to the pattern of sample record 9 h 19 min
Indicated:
3 h 19 min
